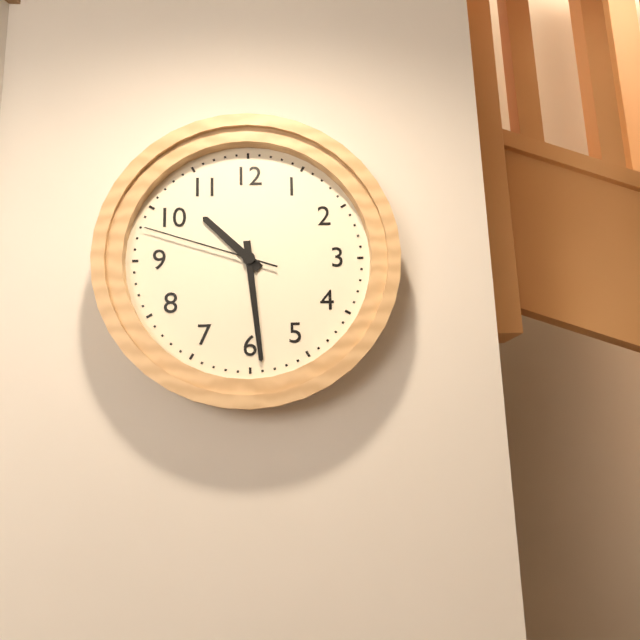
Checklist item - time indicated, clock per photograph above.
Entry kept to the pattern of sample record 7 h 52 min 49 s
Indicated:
10 h 29 min 48 s
